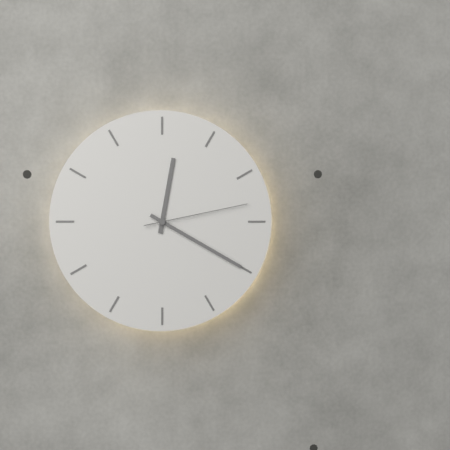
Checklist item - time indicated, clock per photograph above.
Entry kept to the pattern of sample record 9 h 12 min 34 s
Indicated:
12 h 20 min 13 s
